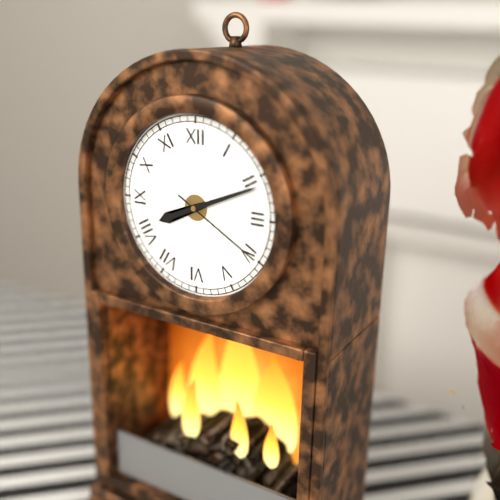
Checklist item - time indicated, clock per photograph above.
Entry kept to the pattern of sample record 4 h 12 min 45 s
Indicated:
8 h 11 min 20 s
